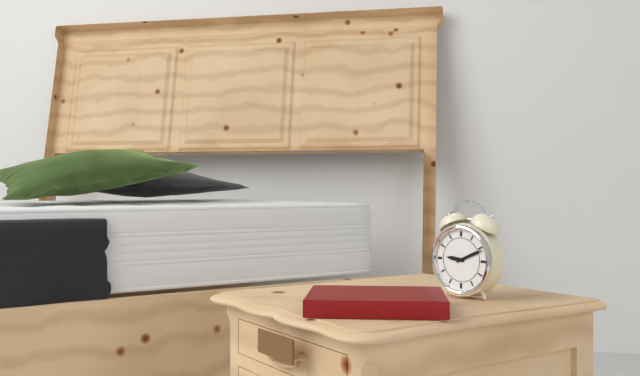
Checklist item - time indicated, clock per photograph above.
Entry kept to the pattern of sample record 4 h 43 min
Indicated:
9 h 11 min
